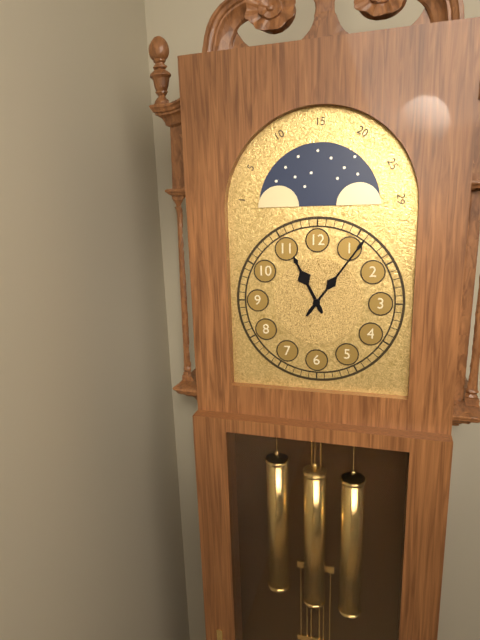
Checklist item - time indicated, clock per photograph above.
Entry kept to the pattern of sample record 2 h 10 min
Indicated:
11 h 06 min
